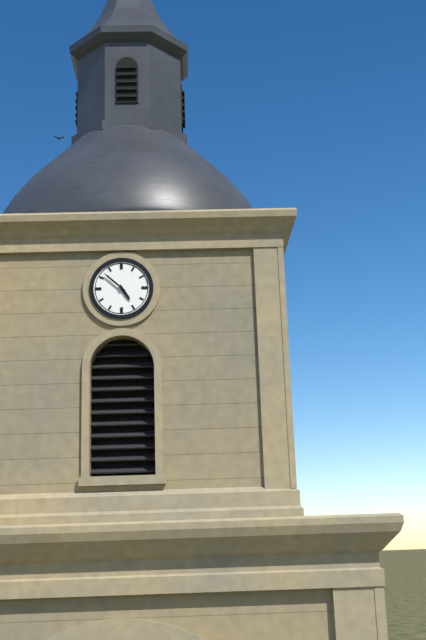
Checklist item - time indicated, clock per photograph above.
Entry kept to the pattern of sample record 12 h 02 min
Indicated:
4 h 52 min
